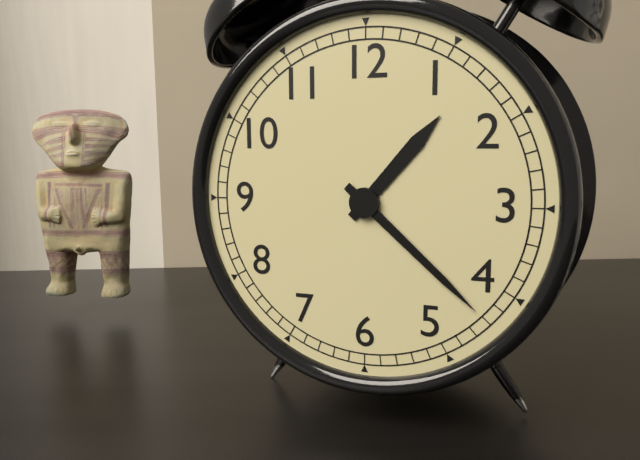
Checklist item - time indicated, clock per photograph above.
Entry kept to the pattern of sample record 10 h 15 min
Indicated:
1 h 22 min
